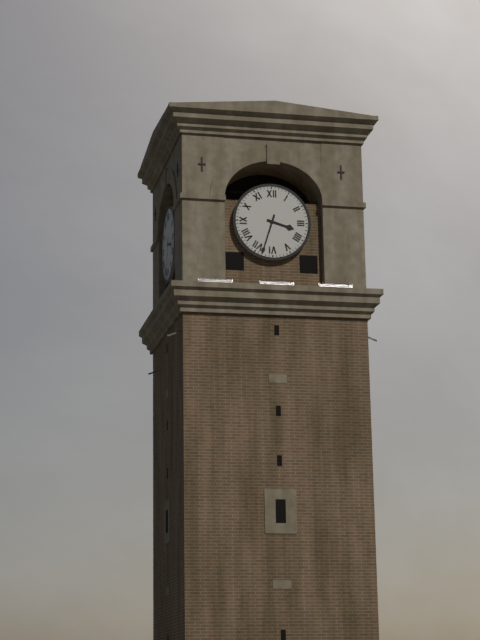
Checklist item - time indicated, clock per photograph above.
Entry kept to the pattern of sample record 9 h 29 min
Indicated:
3 h 33 min
